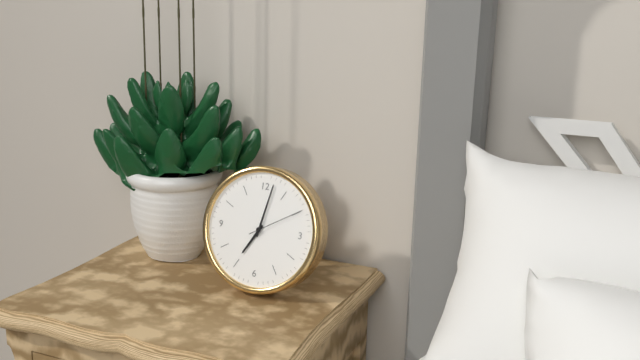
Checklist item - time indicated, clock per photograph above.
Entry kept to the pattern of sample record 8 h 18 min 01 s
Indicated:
7 h 02 min 10 s
